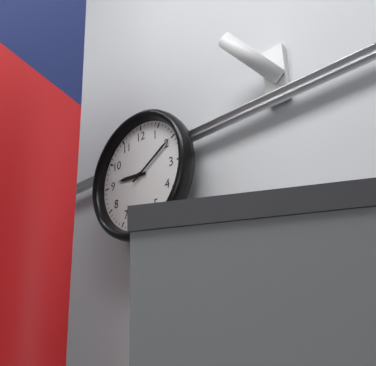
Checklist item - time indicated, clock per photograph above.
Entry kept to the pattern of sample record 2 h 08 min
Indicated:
9 h 10 min
